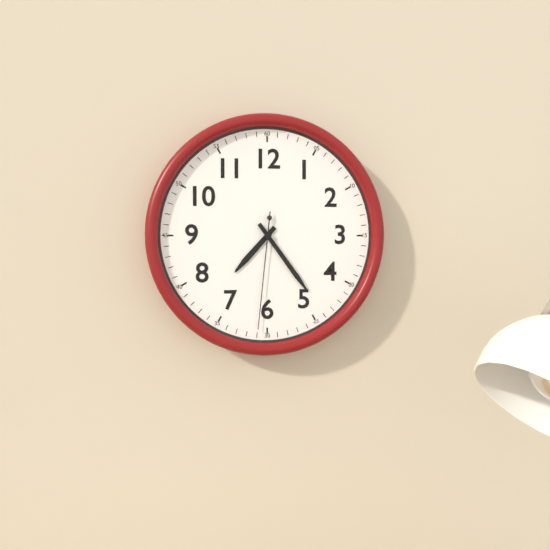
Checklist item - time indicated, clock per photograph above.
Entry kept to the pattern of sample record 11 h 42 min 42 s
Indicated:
7 h 24 min 31 s
